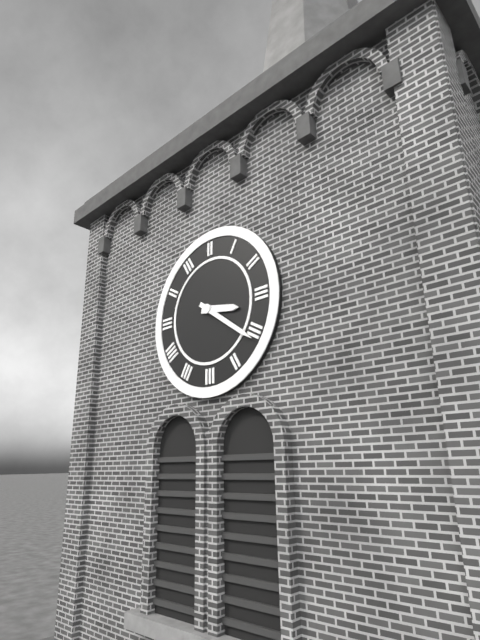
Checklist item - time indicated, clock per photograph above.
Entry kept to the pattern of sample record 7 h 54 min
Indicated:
3 h 21 min
